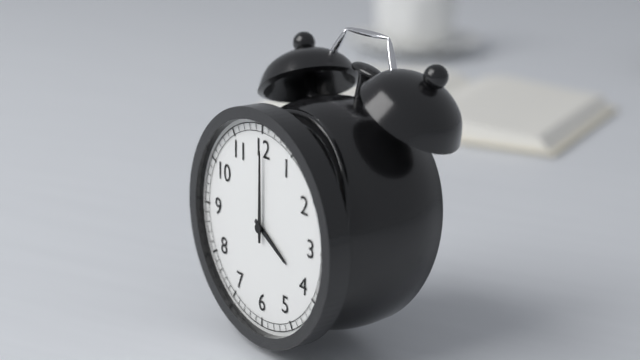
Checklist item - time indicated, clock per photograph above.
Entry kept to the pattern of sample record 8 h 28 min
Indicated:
4 h 00 min
